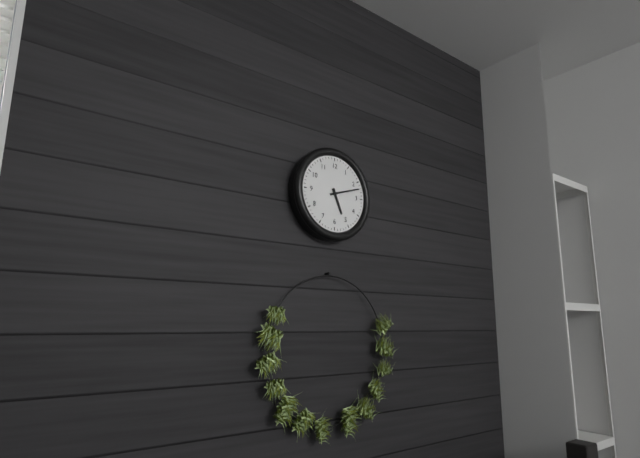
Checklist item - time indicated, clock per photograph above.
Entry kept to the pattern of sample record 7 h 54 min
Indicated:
5 h 12 min
